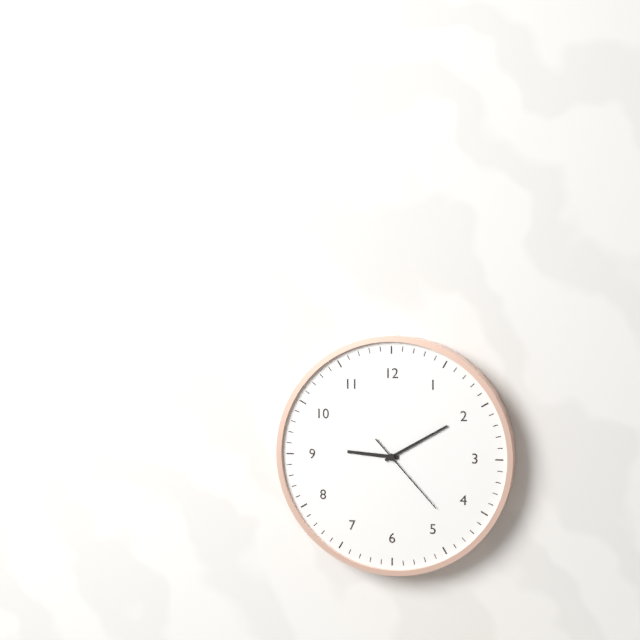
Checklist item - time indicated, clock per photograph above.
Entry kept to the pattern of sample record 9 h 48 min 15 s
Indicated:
9 h 10 min 23 s
